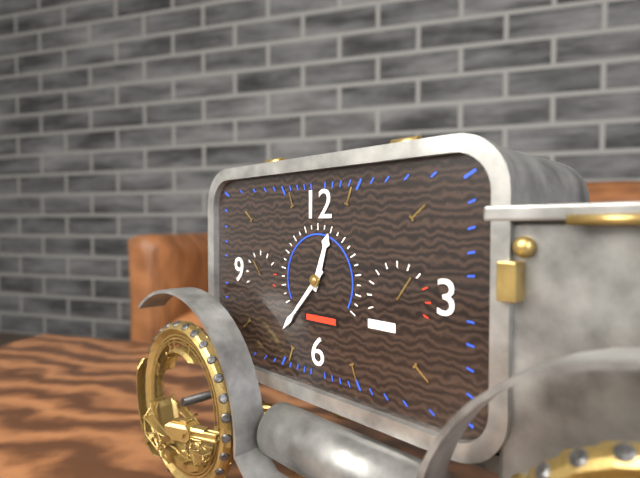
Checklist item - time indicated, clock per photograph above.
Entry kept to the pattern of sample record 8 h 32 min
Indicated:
12 h 37 min
